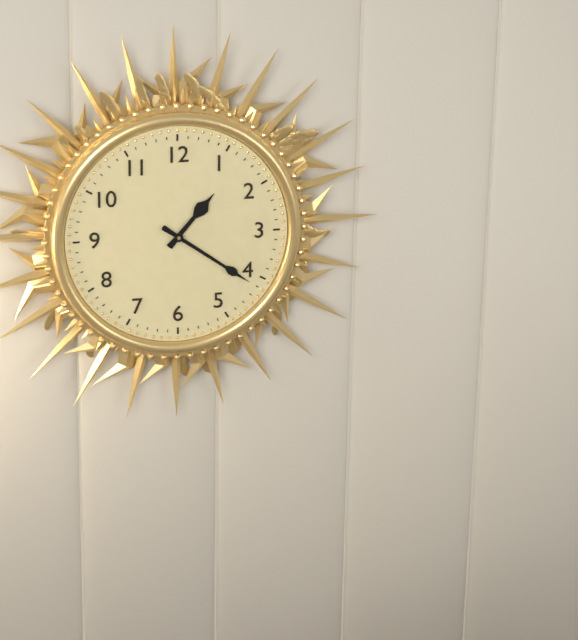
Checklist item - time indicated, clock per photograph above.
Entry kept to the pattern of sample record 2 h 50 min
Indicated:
1 h 21 min
